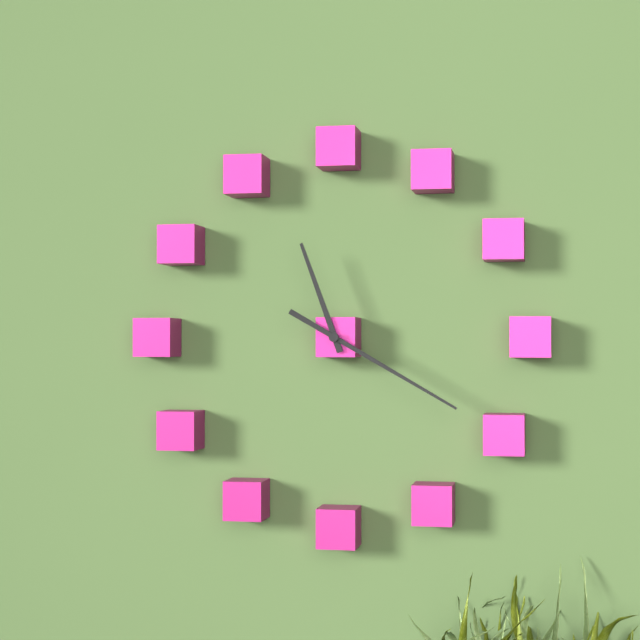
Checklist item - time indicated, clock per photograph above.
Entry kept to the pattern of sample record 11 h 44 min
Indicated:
11 h 20 min
